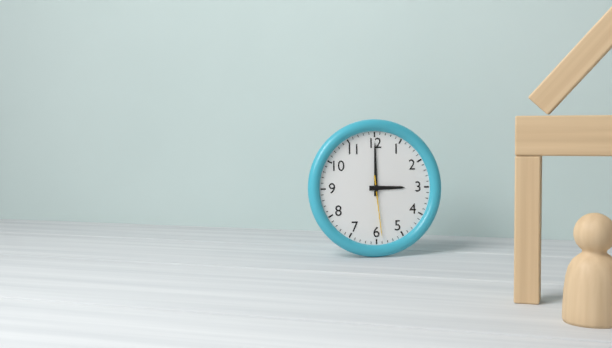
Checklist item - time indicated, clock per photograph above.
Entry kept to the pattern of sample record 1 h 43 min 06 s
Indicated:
3 h 00 min 29 s
